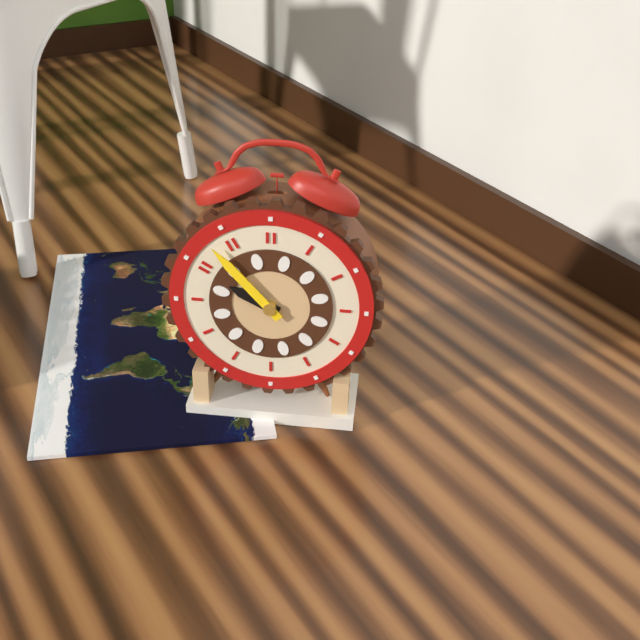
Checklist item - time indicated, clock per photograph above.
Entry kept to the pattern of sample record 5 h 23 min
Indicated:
9 h 53 min
